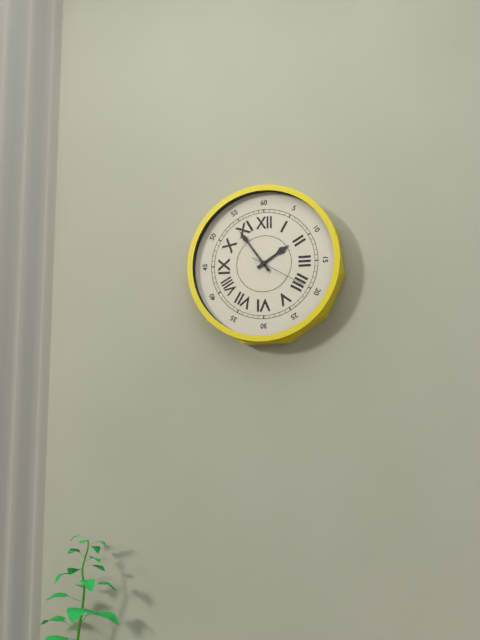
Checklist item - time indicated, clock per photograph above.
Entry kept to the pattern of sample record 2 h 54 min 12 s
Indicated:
1 h 54 min 20 s
